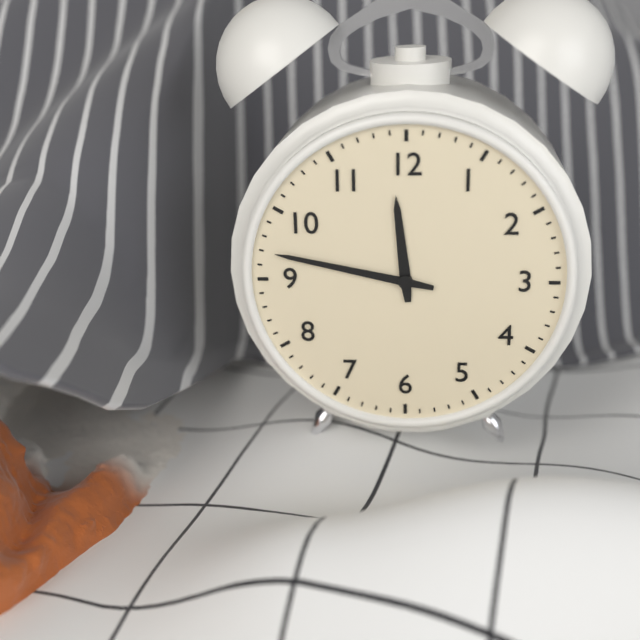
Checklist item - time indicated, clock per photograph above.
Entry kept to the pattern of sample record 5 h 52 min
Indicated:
11 h 47 min
